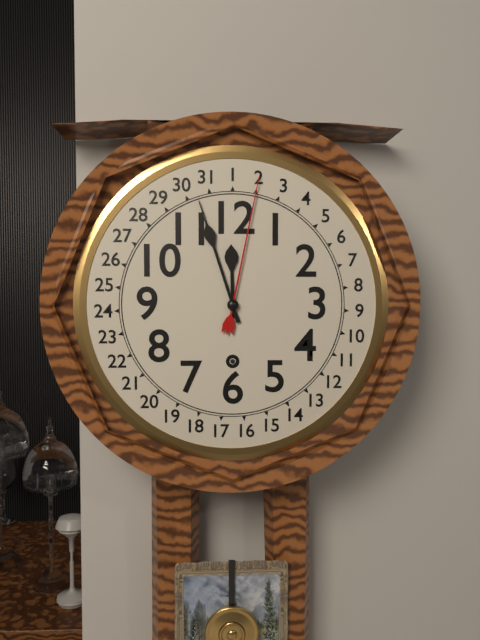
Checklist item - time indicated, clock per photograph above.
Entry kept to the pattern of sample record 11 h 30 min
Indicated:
11 h 57 min
